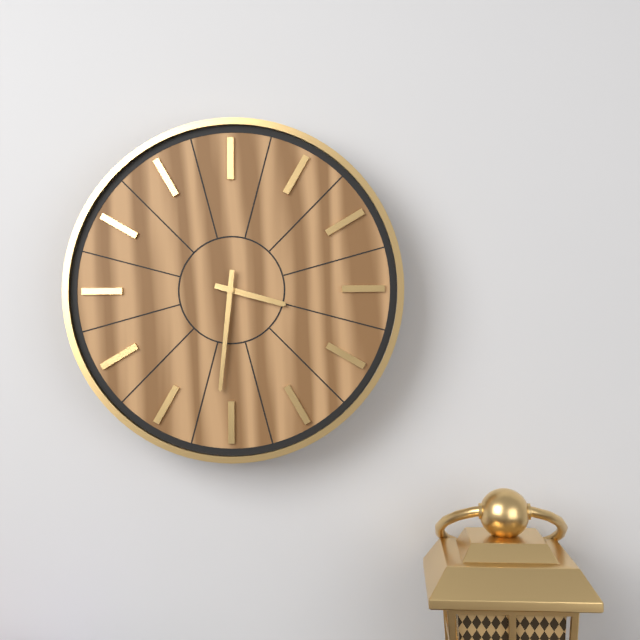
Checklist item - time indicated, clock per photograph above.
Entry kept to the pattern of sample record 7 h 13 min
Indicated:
3 h 31 min
